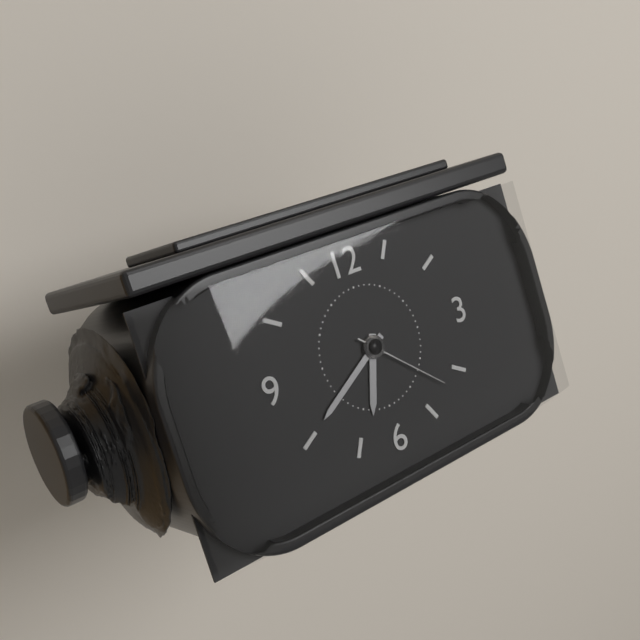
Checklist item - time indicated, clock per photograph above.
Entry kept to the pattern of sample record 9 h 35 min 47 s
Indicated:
6 h 40 min 22 s
